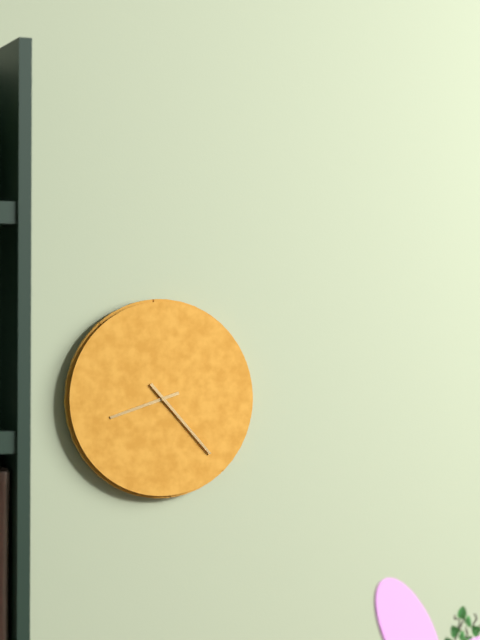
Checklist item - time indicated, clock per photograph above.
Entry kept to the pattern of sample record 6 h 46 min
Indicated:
8 h 23 min
